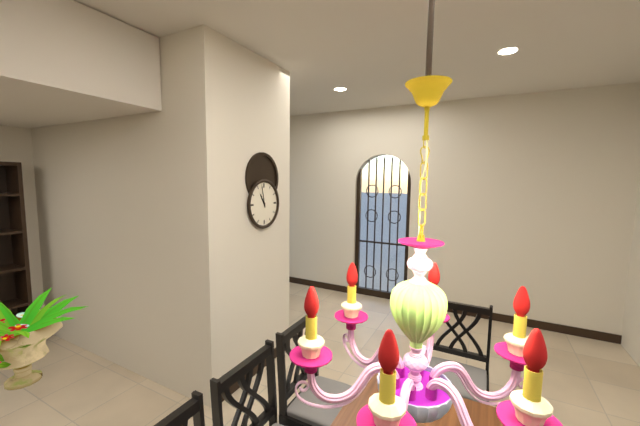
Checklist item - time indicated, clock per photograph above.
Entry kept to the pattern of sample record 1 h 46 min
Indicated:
10 h 58 min
